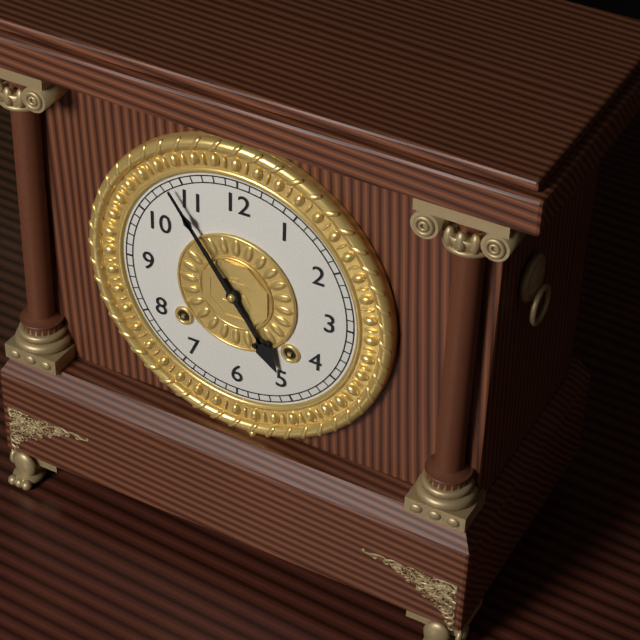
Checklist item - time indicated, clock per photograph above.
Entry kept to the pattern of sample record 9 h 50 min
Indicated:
4 h 54 min
